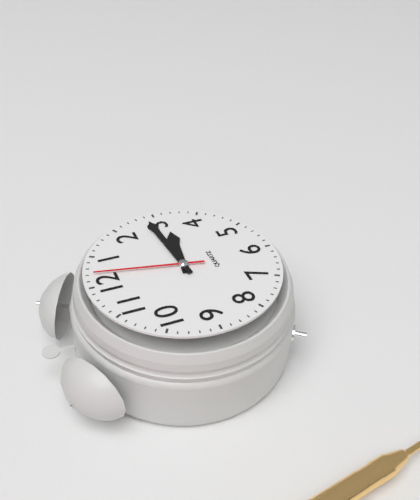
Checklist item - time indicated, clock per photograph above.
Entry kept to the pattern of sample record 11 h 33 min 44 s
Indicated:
3 h 14 min 02 s
